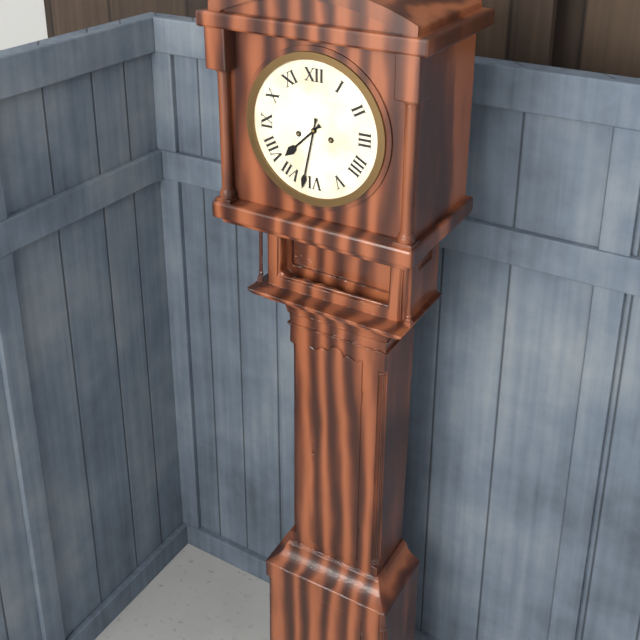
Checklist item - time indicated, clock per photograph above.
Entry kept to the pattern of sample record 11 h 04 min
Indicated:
7 h 32 min
